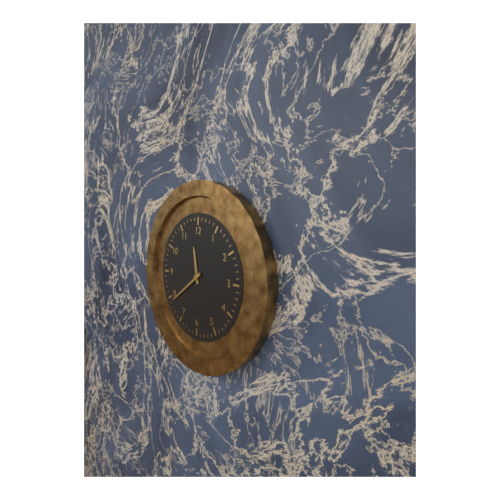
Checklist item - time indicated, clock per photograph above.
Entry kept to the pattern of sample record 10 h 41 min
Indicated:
11 h 39 min
